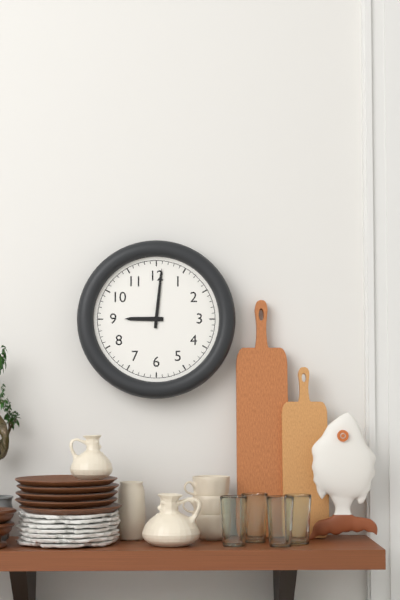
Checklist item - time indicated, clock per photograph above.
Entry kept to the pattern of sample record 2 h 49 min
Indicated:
9 h 01 min
